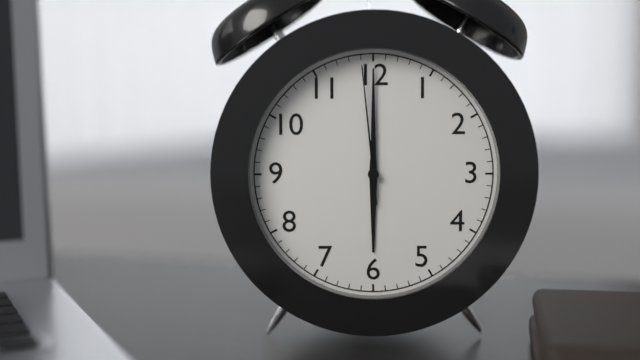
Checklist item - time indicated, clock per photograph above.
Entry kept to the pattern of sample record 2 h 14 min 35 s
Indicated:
6 h 00 min 59 s
